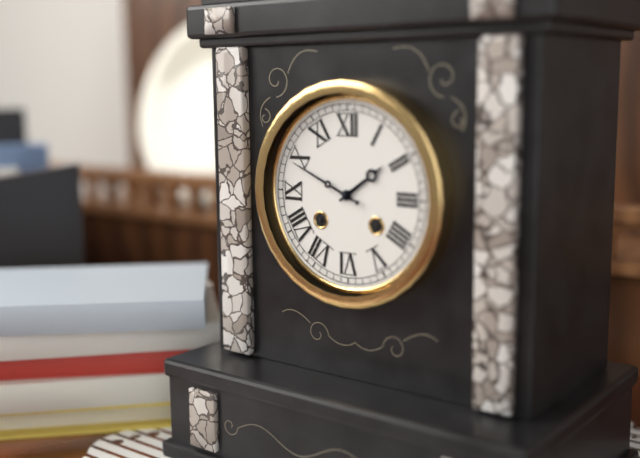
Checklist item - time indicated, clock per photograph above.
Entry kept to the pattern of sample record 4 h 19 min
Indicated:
1 h 49 min
